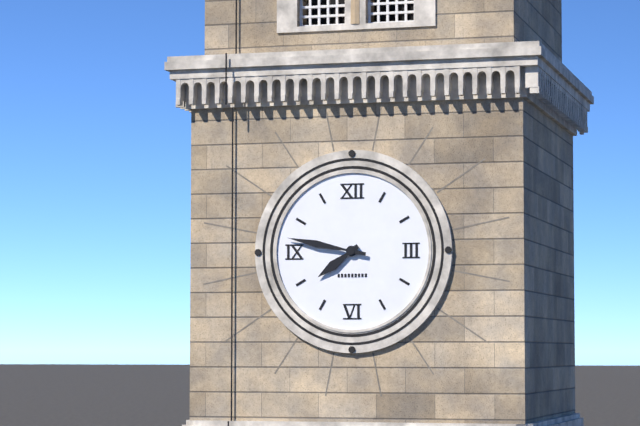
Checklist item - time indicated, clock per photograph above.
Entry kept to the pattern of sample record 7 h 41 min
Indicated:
7 h 47 min
